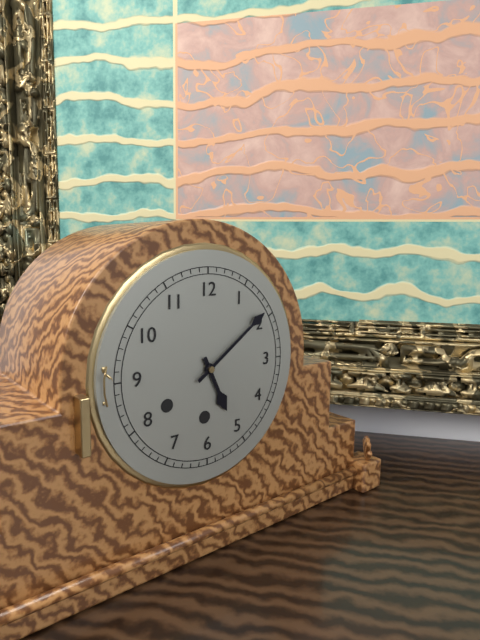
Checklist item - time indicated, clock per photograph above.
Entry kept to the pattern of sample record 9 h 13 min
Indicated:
5 h 09 min
